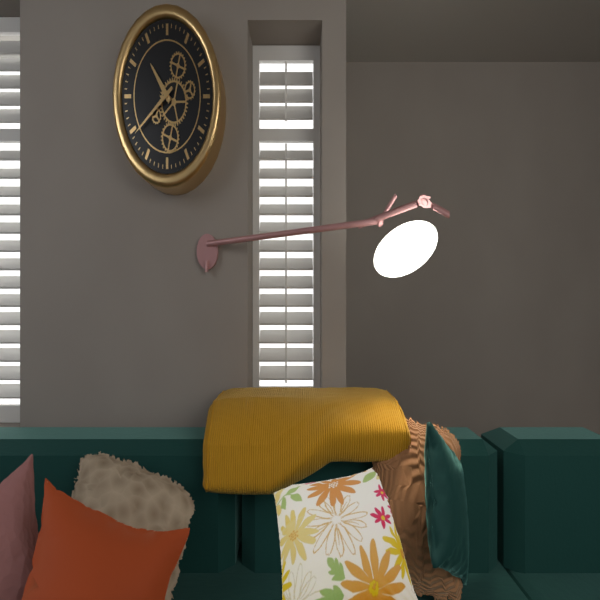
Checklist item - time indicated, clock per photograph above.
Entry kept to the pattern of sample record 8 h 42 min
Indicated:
10 h 39 min
